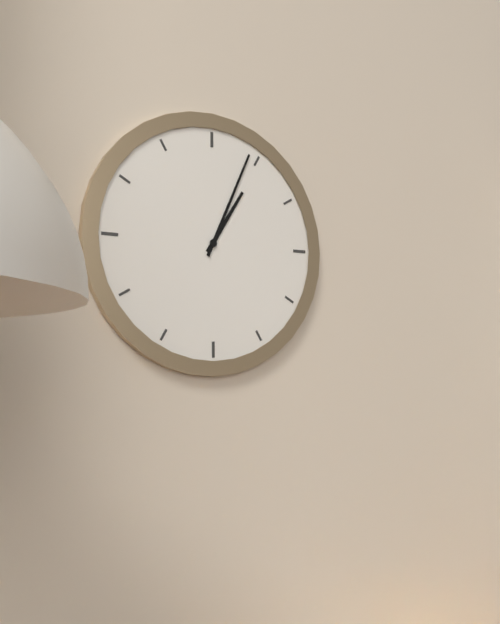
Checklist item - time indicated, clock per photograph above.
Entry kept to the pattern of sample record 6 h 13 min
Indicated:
1 h 04 min
